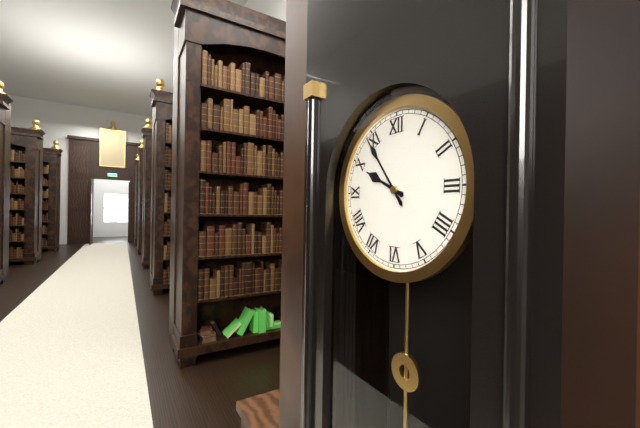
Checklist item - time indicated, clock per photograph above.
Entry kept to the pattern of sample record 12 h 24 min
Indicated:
9 h 54 min
